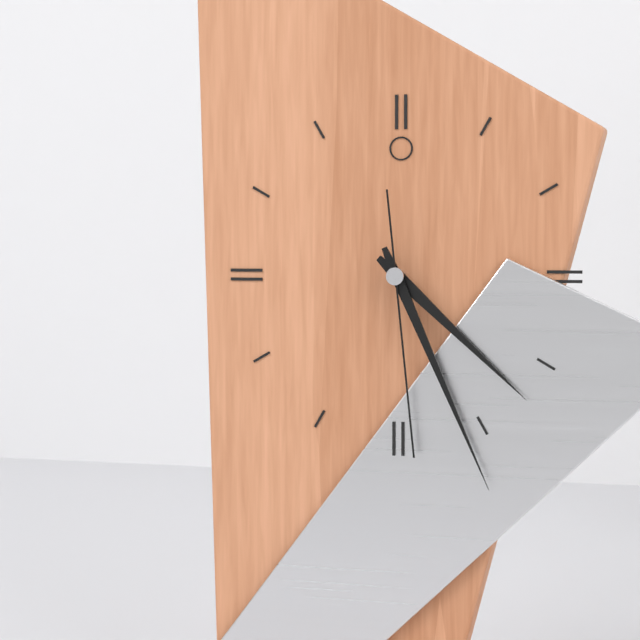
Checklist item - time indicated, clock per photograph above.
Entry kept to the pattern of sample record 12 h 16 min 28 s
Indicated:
4 h 26 min 29 s
